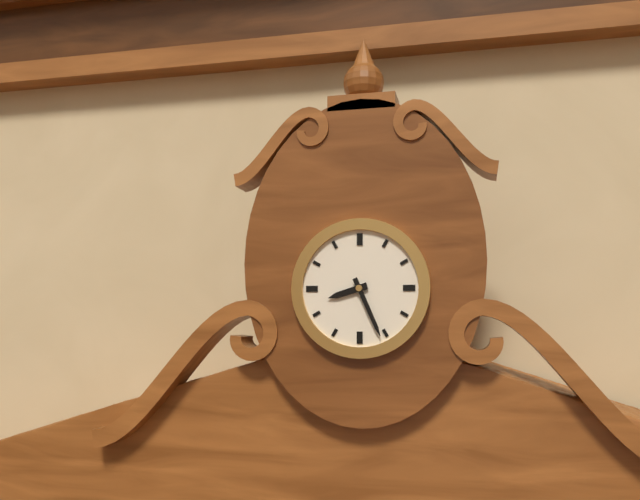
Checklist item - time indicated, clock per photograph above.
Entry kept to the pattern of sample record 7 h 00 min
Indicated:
8 h 26 min
